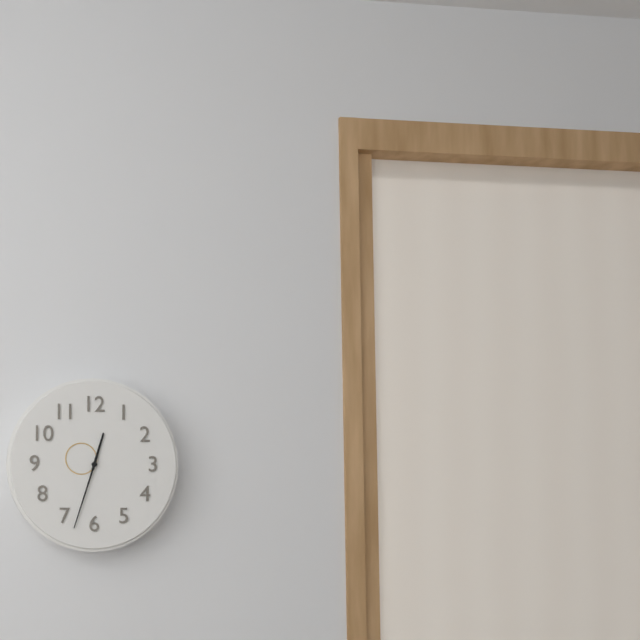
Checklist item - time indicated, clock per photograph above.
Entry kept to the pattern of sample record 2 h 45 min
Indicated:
12 h 33 min
